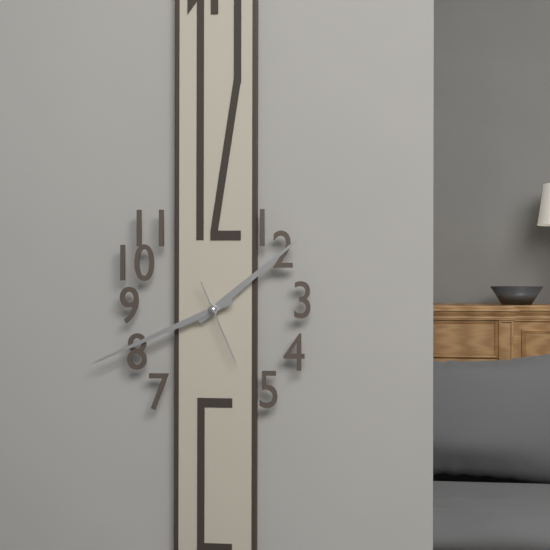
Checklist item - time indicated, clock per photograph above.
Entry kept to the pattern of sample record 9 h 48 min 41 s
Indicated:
1 h 41 min 26 s
